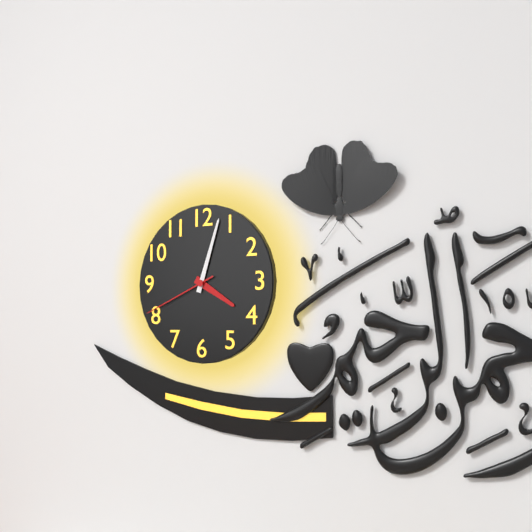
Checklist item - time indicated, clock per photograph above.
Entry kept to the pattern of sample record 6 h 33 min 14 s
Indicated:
4 h 03 min 41 s
